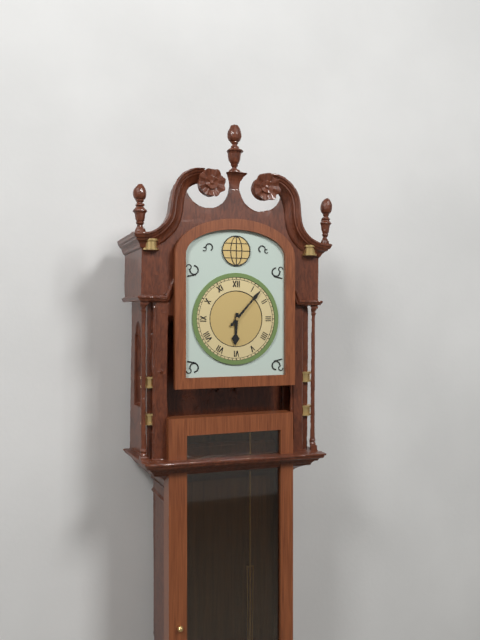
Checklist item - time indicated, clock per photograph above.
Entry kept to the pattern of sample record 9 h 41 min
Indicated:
6 h 07 min
